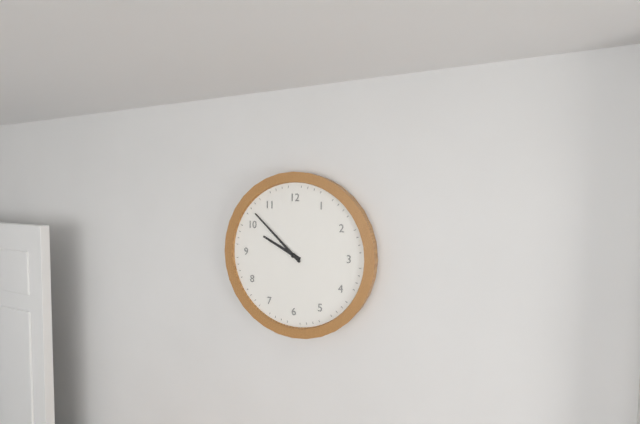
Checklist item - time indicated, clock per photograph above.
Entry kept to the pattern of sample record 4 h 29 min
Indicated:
9 h 52 min
